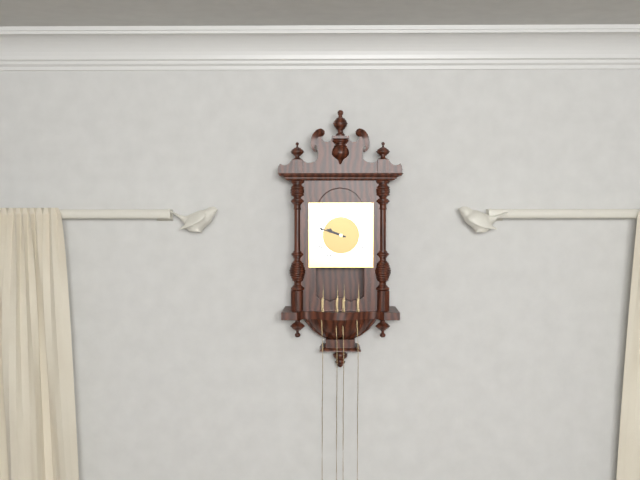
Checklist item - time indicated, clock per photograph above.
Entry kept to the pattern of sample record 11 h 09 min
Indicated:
9 h 48 min
